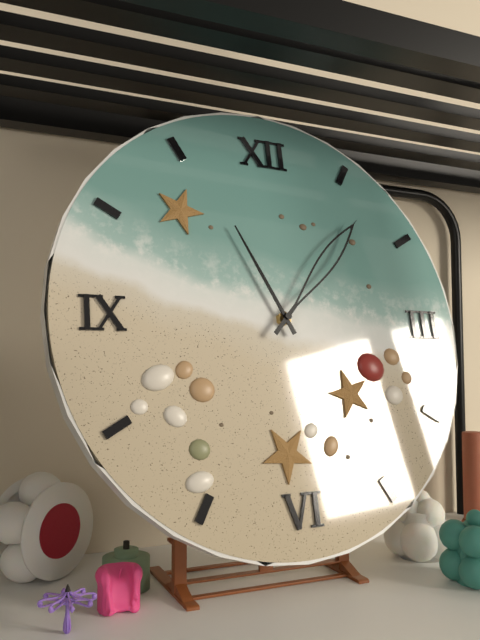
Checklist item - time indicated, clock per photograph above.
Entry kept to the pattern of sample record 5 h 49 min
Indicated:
11 h 07 min
